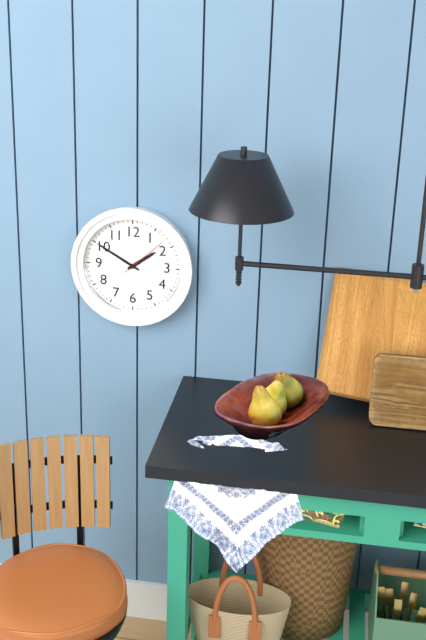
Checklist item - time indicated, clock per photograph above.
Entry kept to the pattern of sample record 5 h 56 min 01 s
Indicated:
1 h 50 min 08 s
